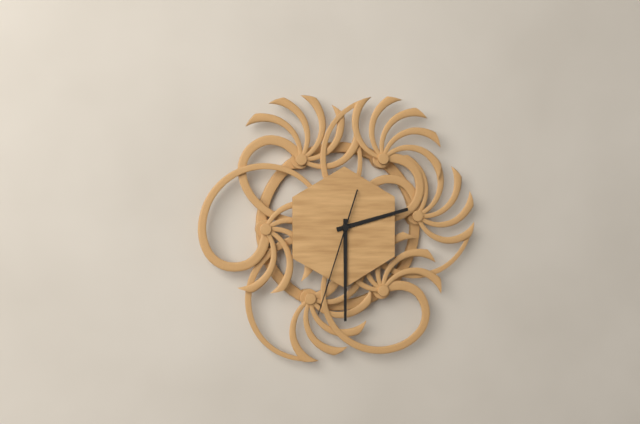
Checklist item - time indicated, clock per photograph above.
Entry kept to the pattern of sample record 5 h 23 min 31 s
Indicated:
2 h 30 min 33 s
